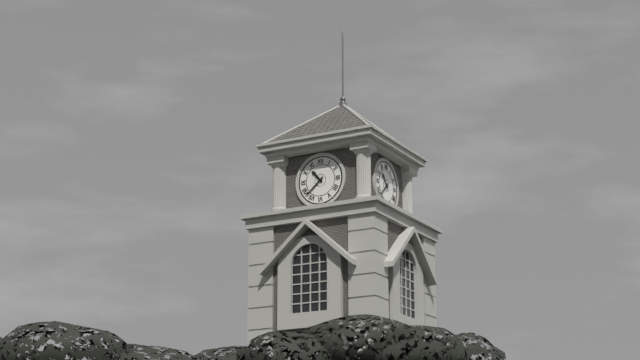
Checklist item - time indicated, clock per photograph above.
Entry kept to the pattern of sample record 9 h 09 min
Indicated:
10 h 38 min
